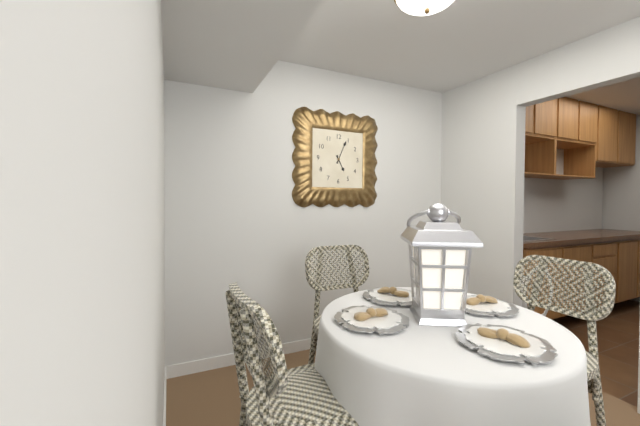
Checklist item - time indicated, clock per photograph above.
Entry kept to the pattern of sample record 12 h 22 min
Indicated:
5 h 04 min
